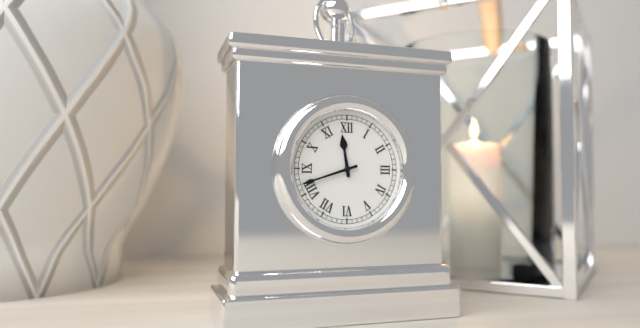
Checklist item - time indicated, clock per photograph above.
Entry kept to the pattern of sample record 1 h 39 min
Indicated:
11 h 42 min
